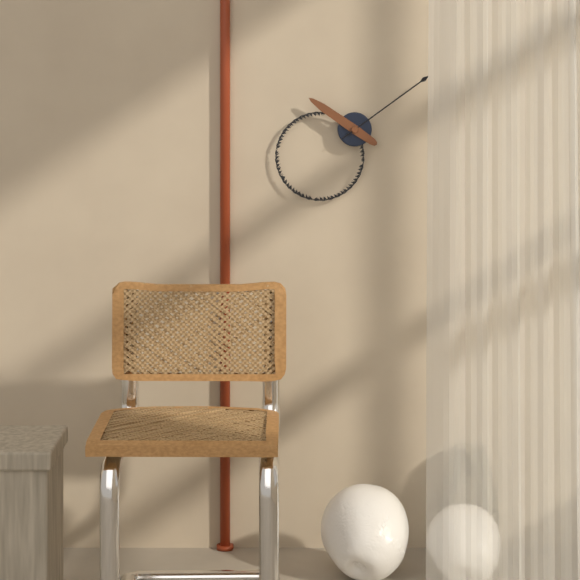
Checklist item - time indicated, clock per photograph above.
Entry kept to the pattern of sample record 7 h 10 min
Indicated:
10 h 09 min
